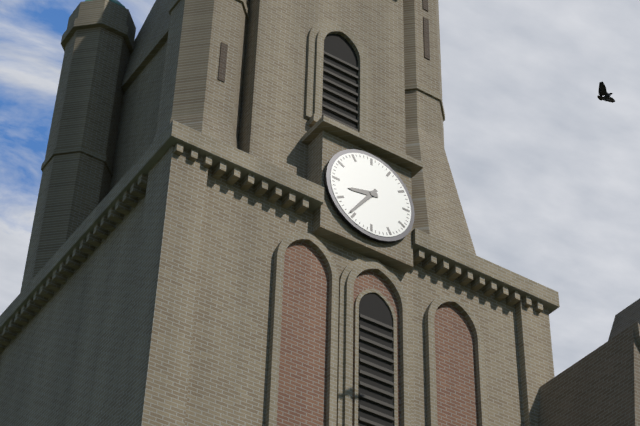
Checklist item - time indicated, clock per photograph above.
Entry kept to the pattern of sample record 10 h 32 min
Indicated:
8 h 36 min
